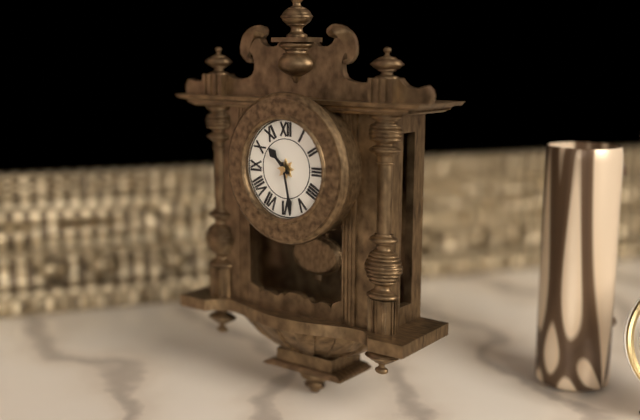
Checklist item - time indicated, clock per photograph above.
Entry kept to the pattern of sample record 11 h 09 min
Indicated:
10 h 28 min
